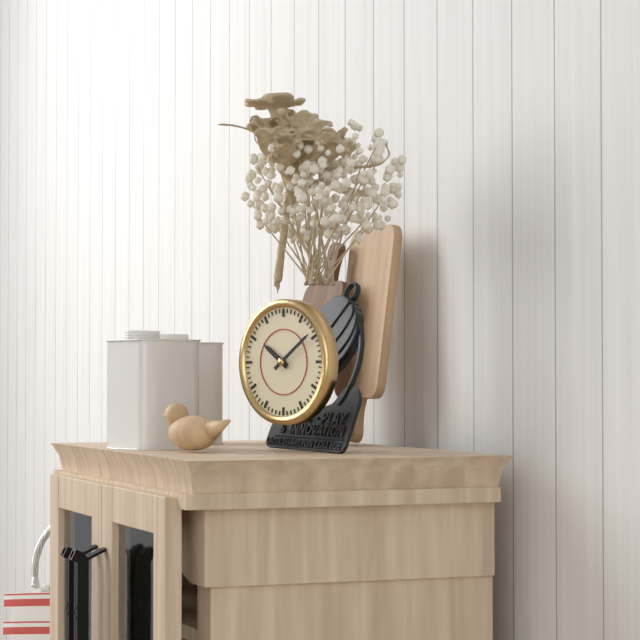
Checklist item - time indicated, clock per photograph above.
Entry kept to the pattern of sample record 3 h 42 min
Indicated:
10 h 09 min
